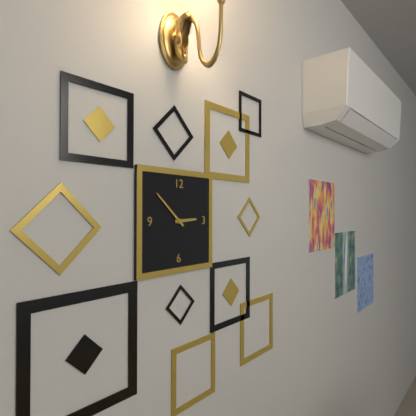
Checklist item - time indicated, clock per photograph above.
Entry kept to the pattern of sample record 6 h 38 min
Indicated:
2 h 52 min
